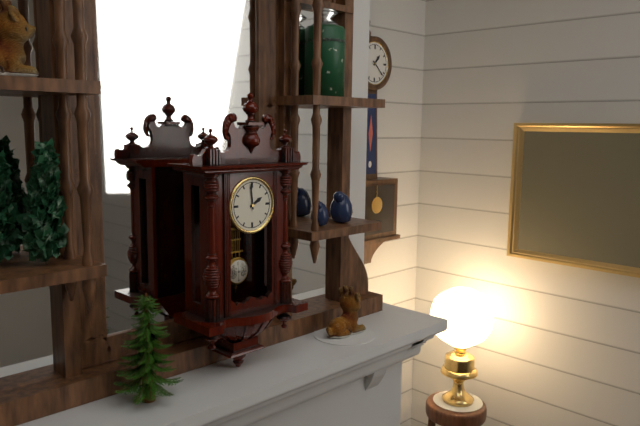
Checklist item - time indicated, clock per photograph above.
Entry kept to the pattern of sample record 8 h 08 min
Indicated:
1 h 59 min
